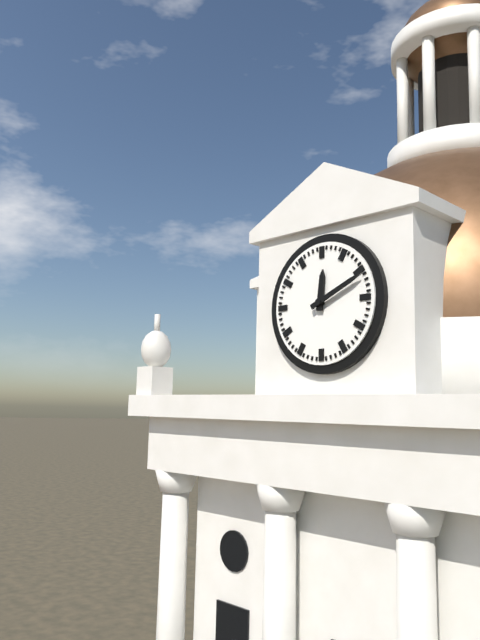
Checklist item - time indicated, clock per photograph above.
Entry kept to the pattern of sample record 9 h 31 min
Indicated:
12 h 11 min
